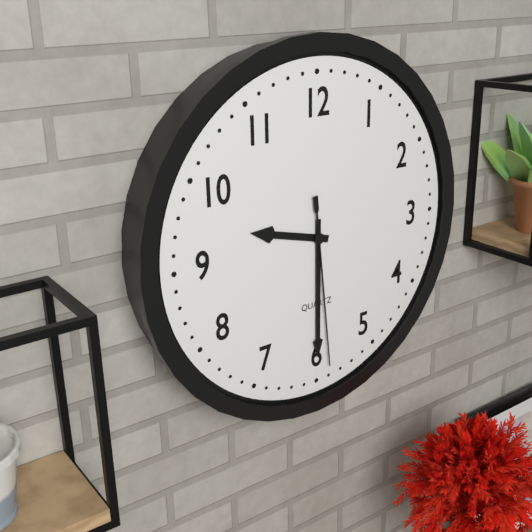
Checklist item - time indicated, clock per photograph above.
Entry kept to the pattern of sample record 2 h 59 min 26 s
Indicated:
9 h 30 min 29 s
